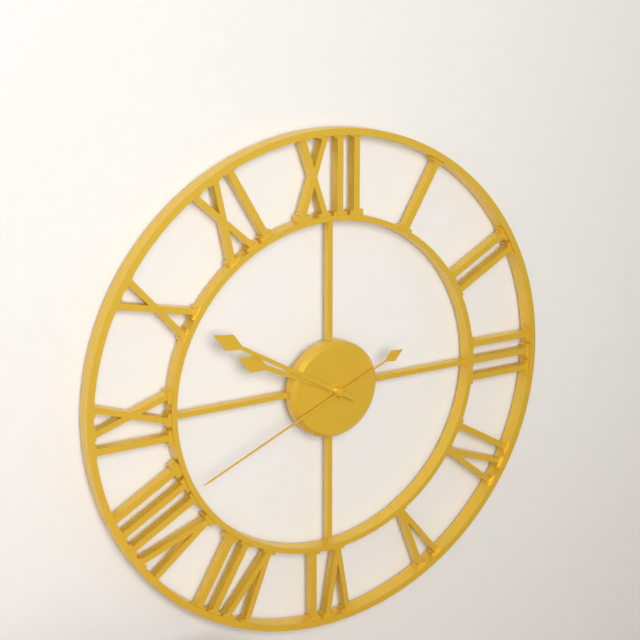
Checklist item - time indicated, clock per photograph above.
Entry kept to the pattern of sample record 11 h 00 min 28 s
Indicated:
9 h 50 min 41 s
